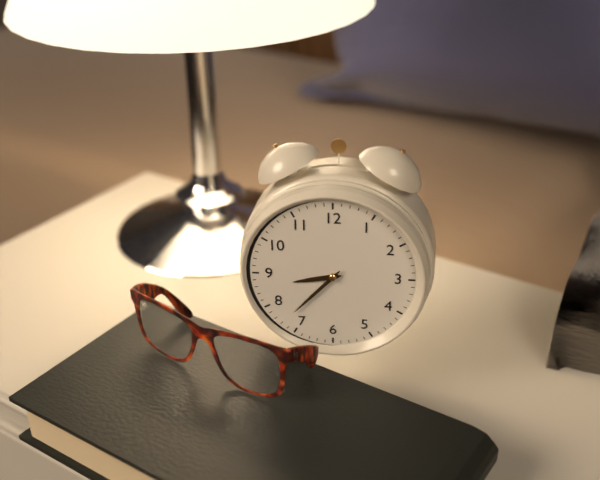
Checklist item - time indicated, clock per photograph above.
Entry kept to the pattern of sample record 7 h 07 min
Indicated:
8 h 37 min
